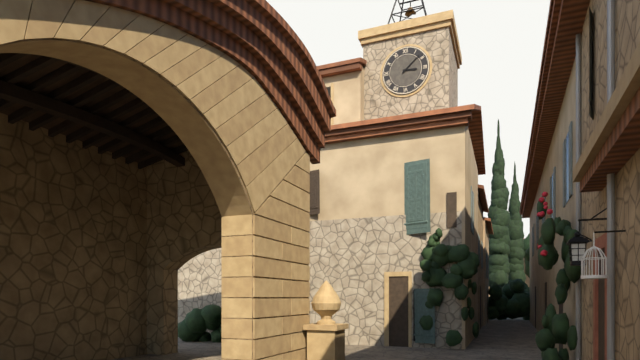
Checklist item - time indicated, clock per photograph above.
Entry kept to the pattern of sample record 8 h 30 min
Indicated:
3 h 08 min
